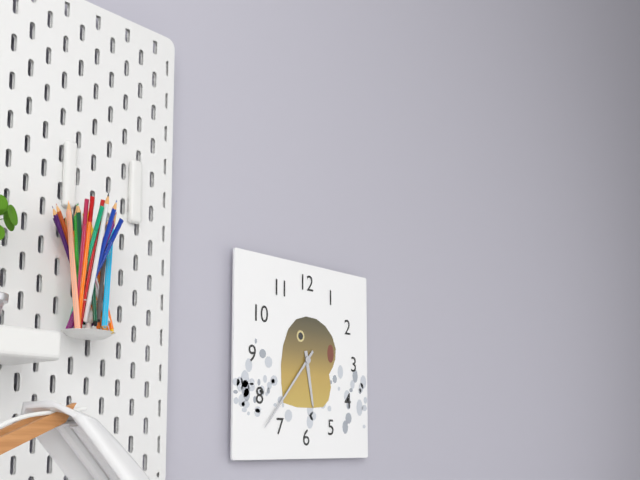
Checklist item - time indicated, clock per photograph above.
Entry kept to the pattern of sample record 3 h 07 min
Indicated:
5 h 37 min
